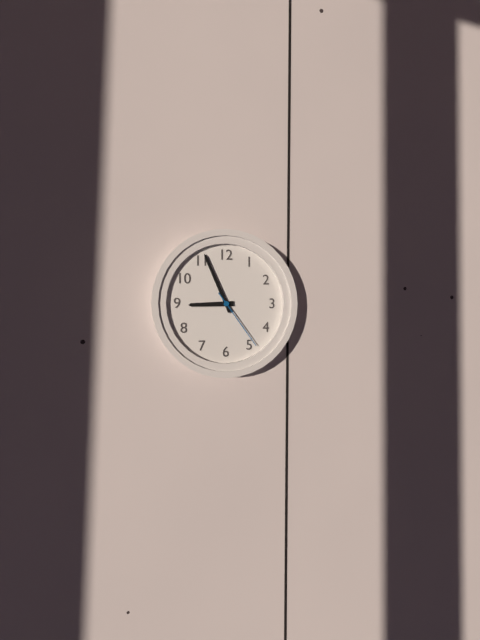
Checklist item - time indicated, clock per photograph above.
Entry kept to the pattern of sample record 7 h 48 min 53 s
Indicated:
8 h 56 min 24 s
